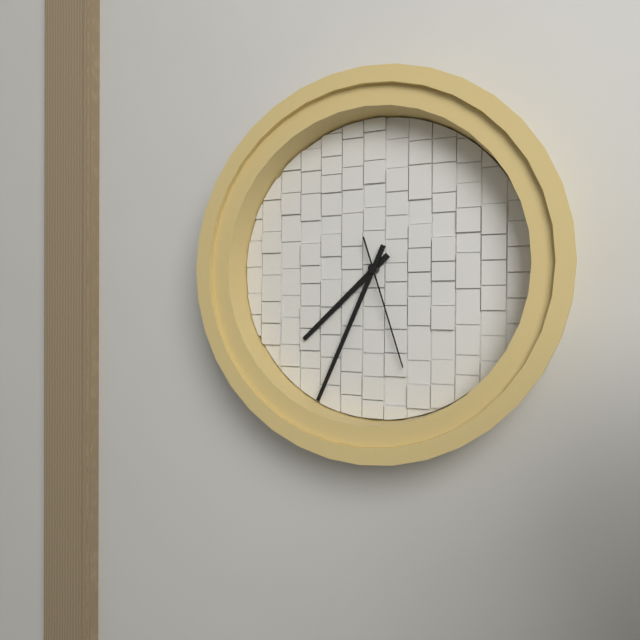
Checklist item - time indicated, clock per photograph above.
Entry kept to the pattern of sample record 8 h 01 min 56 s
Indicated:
7 h 34 min 27 s
